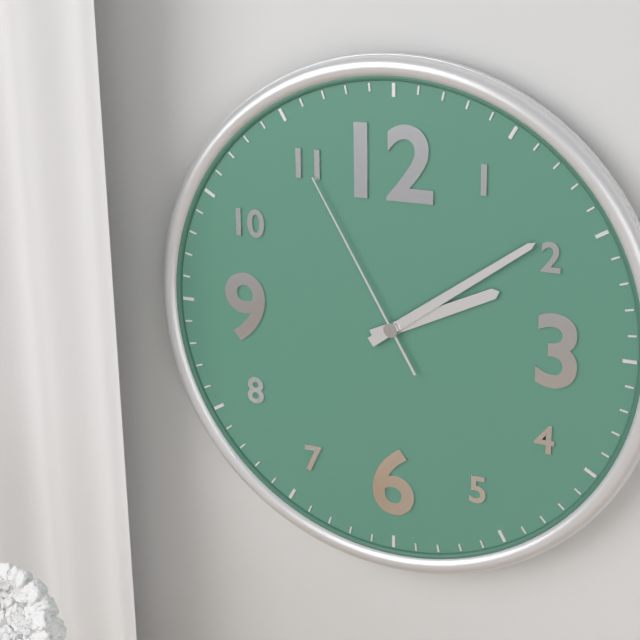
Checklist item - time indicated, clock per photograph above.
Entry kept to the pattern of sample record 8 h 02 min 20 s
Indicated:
2 h 09 min 55 s
